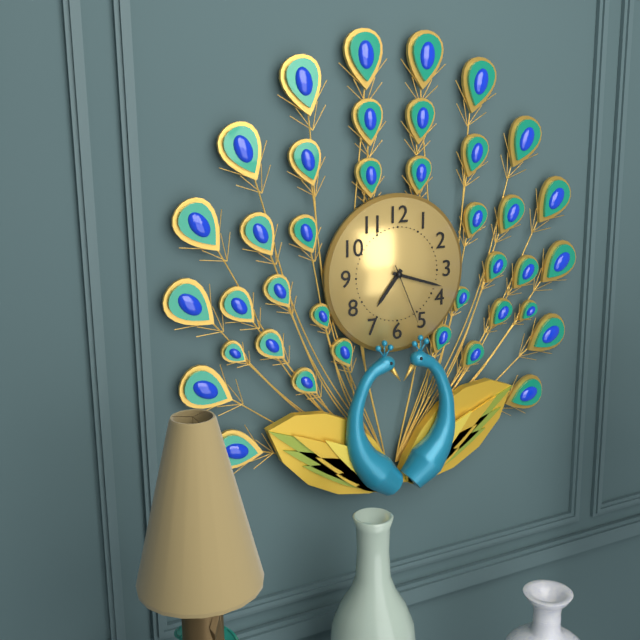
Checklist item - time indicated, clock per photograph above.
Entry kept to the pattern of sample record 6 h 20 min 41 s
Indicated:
7 h 18 min 26 s
